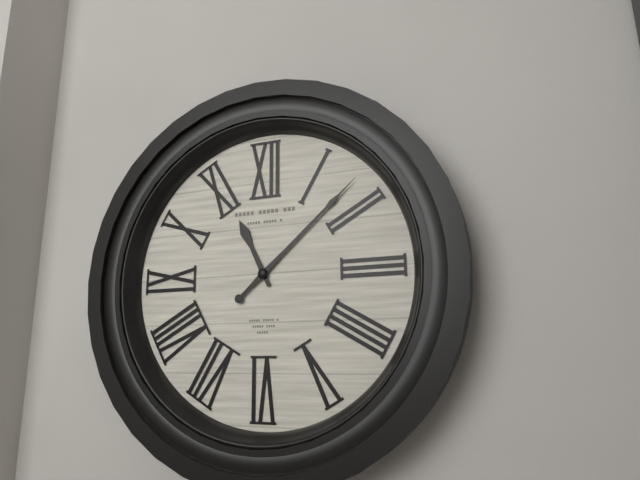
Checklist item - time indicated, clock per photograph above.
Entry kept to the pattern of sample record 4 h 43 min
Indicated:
11 h 08 min
